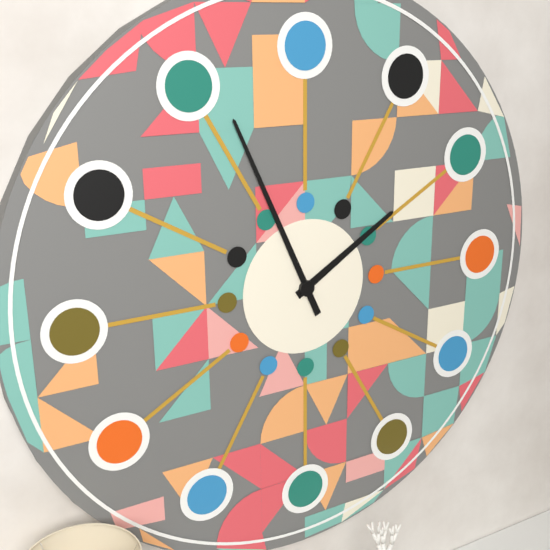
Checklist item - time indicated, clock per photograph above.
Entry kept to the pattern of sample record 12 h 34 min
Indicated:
1 h 56 min
